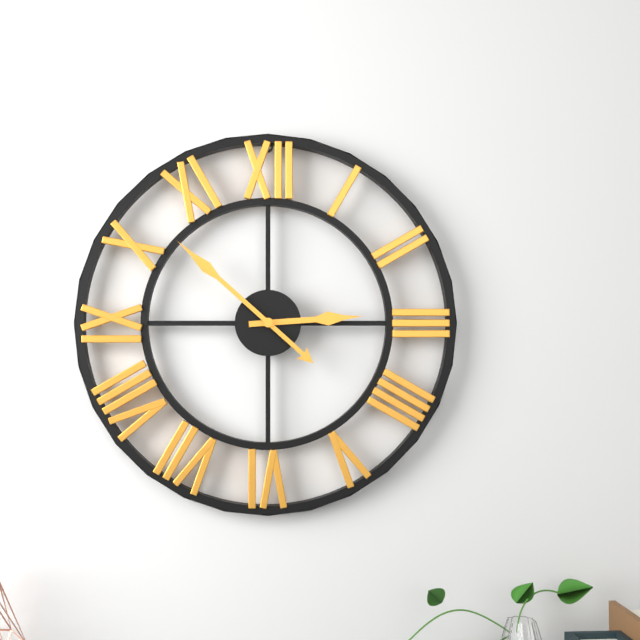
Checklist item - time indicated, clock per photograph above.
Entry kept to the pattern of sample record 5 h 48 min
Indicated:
2 h 52 min
